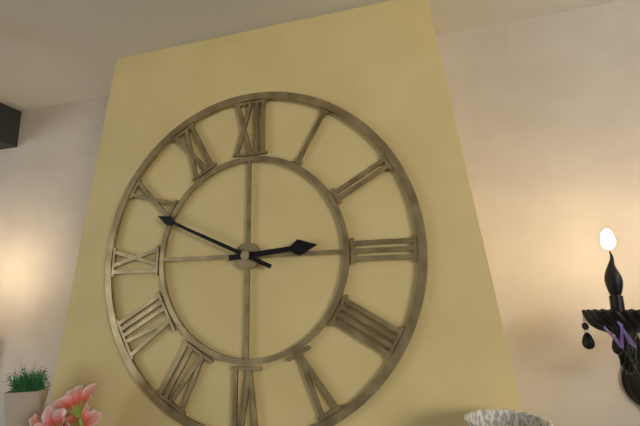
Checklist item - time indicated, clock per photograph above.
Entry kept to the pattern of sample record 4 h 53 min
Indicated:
2 h 49 min
